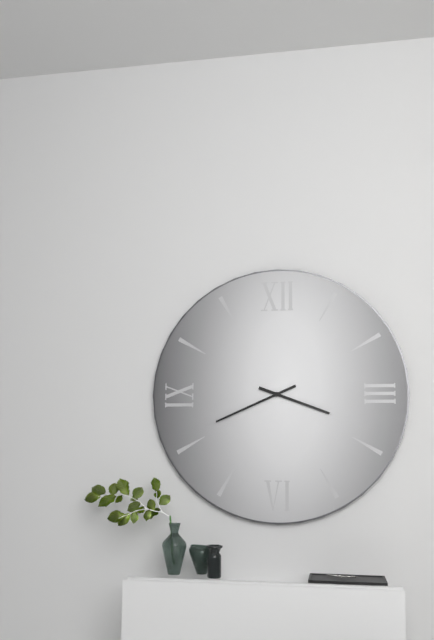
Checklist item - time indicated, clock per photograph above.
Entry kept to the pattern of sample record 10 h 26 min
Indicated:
3 h 41 min
